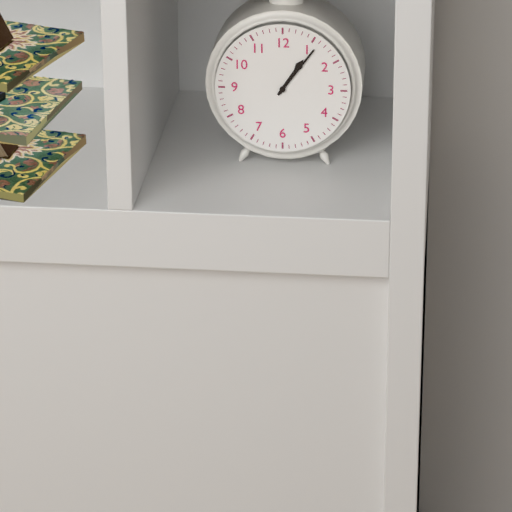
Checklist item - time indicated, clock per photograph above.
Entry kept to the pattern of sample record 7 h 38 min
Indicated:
1 h 06 min
